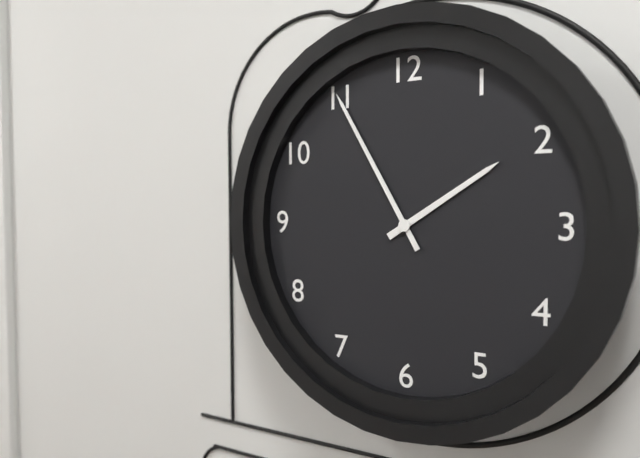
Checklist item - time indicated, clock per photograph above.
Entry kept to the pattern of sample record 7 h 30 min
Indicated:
1 h 55 min
